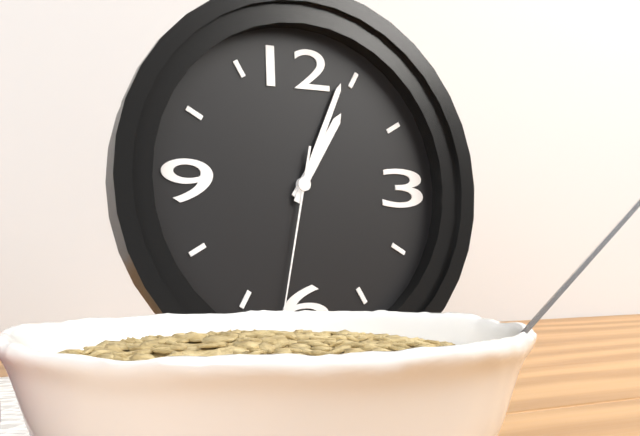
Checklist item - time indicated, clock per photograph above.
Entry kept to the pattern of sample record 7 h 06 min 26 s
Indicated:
1 h 04 min 32 s
